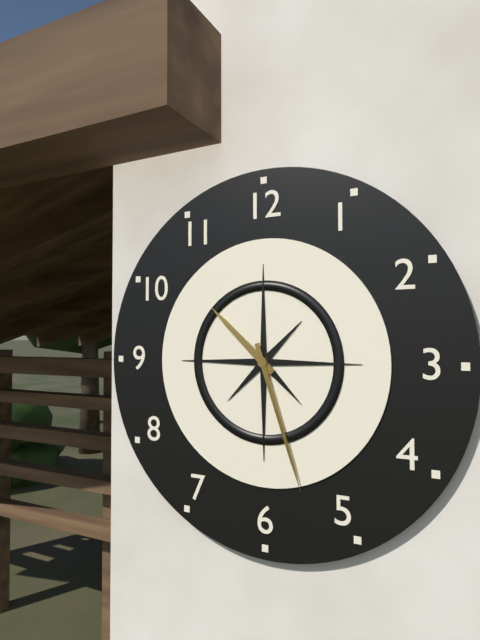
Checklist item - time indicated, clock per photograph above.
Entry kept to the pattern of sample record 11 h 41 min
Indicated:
10 h 27 min
